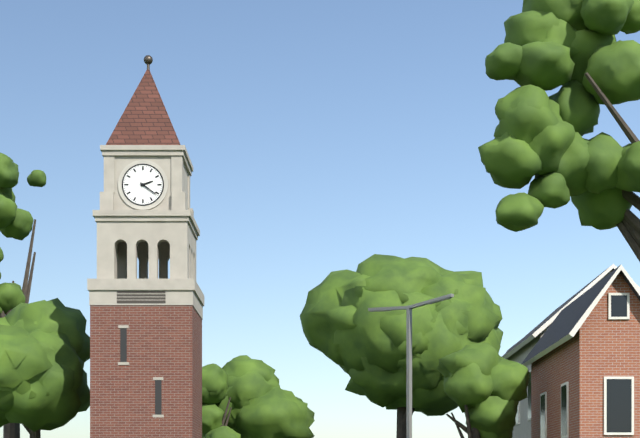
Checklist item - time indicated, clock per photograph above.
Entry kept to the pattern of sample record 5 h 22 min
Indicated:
2 h 21 min
